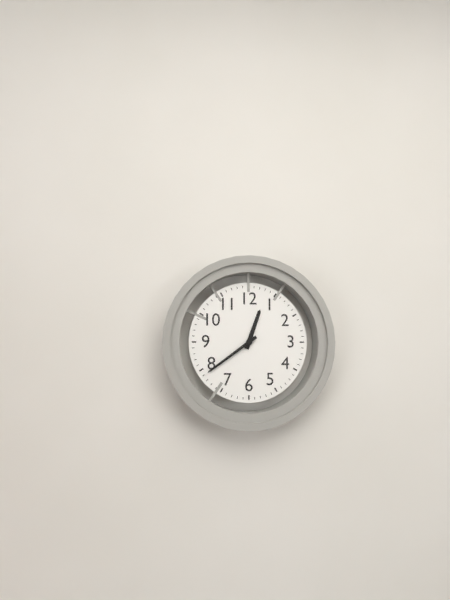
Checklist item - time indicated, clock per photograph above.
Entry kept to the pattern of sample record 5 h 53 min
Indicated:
12 h 39 min
